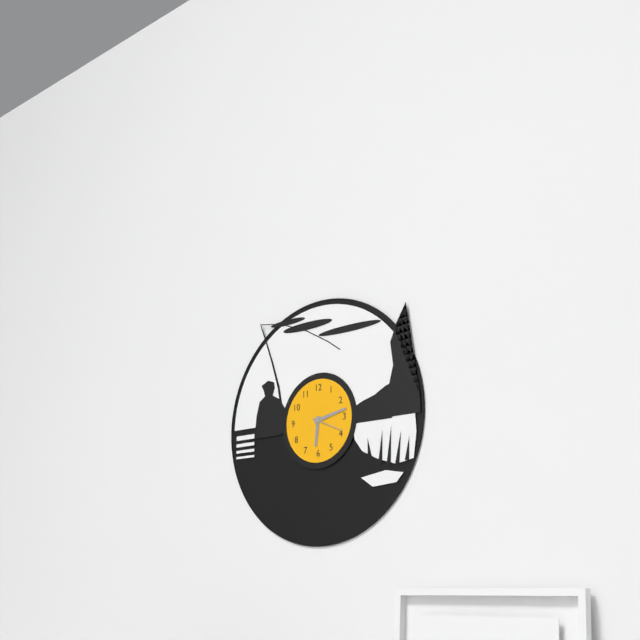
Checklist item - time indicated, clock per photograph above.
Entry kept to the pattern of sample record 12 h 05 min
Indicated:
6 h 13 min
